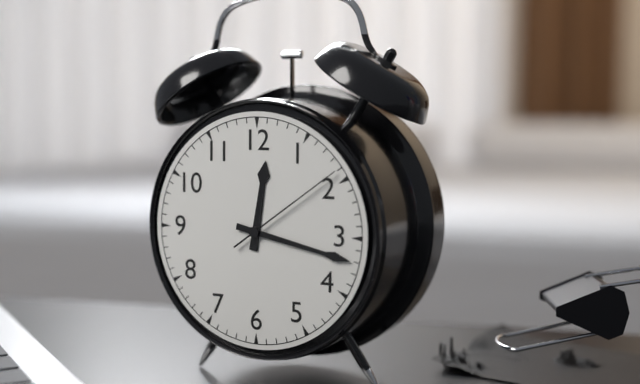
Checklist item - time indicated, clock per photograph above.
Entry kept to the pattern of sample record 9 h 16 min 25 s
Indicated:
12 h 17 min 09 s
